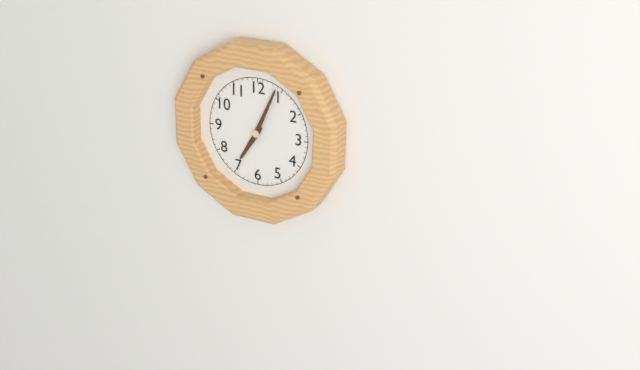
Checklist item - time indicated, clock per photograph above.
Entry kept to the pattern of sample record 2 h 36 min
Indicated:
7 h 04 min
